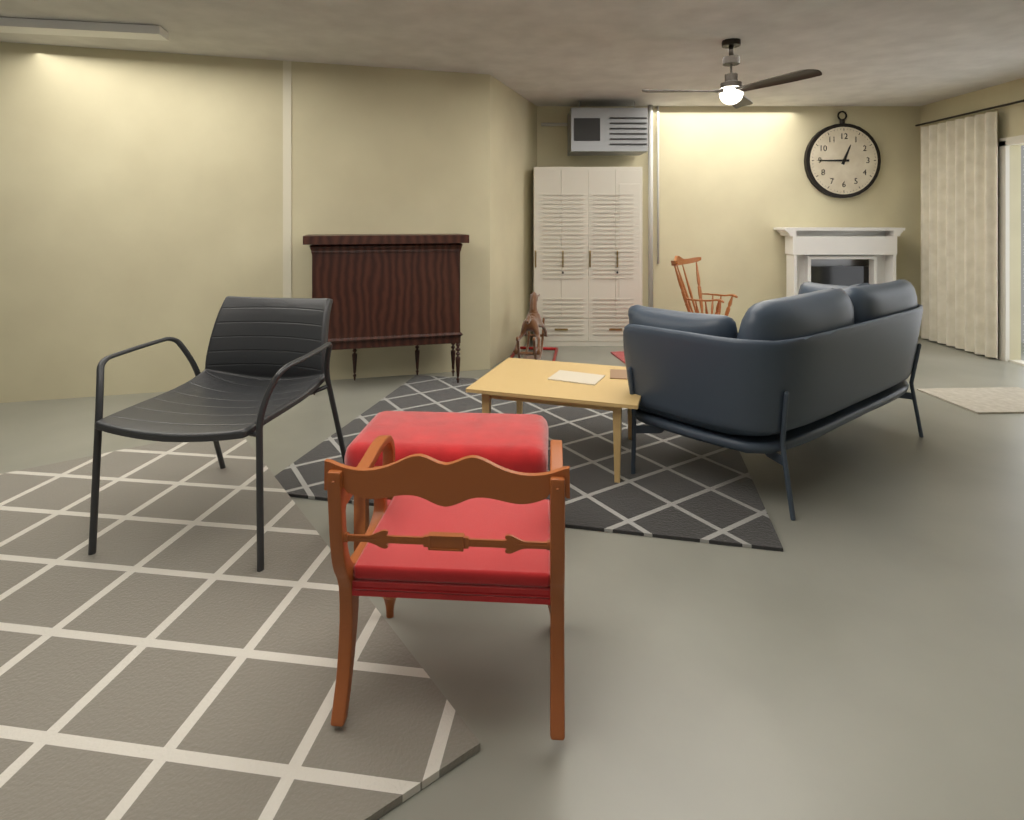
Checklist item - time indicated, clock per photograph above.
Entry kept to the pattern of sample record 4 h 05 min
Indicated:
12 h 45 min
